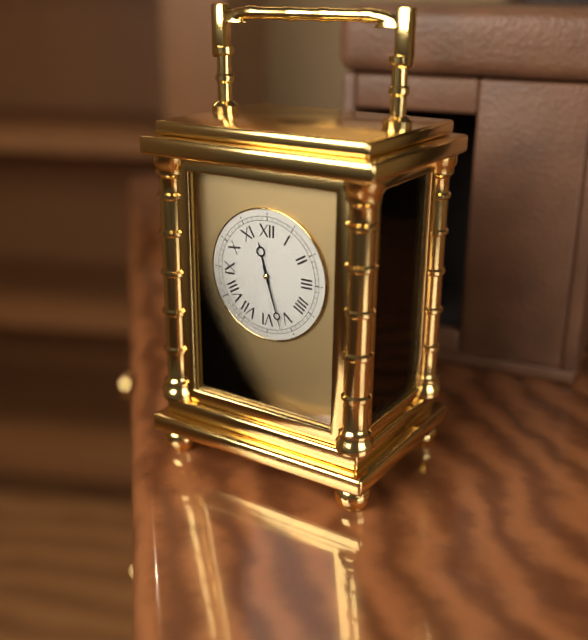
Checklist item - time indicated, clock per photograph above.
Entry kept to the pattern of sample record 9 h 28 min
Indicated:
11 h 27 min
